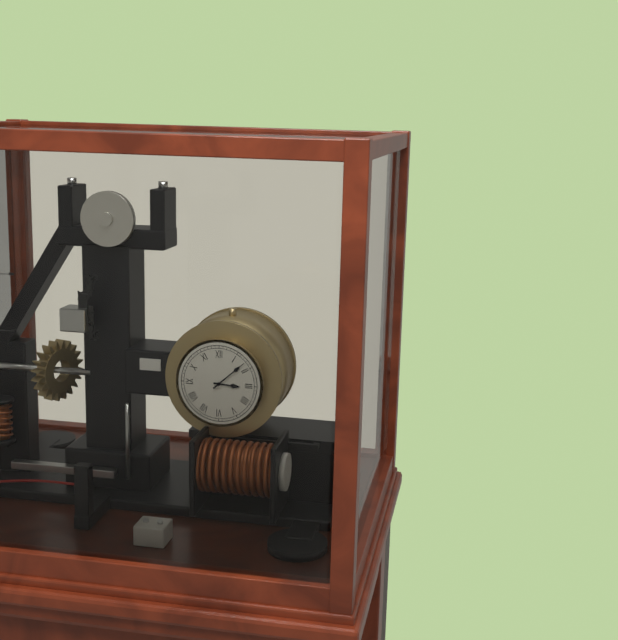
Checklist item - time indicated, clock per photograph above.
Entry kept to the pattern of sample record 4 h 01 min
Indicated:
3 h 08 min
